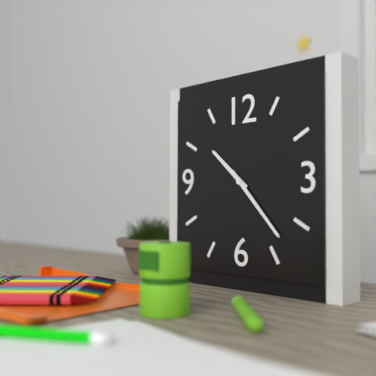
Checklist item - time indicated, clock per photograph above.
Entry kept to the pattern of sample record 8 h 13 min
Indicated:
10 h 23 min
